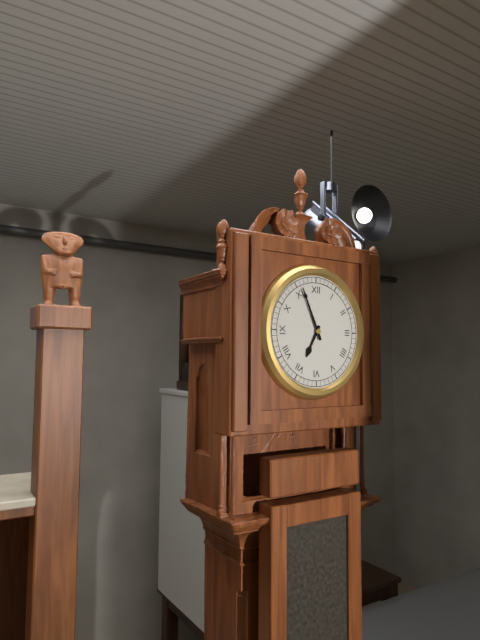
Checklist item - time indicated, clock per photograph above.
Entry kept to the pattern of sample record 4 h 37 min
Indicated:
6 h 56 min
